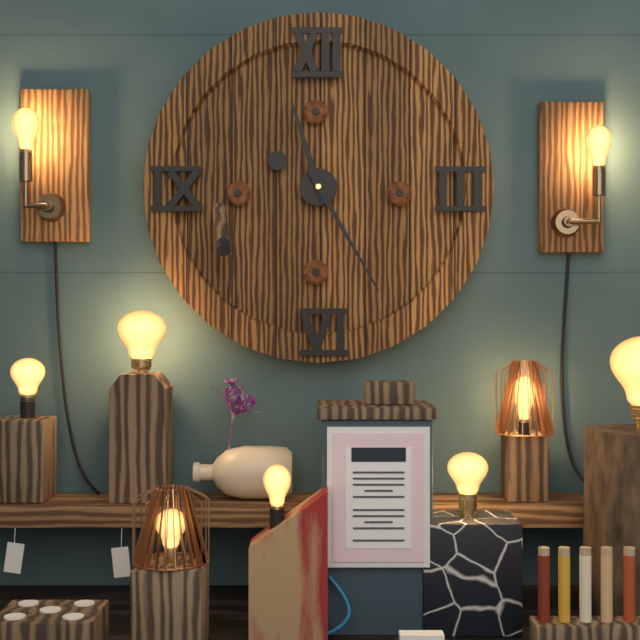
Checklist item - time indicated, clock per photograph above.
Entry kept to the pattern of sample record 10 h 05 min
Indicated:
11 h 25 min
